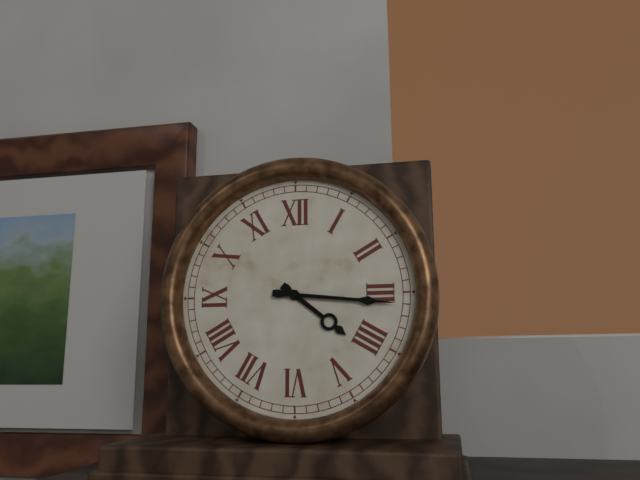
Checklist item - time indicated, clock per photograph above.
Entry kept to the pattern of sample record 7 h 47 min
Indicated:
4 h 16 min
